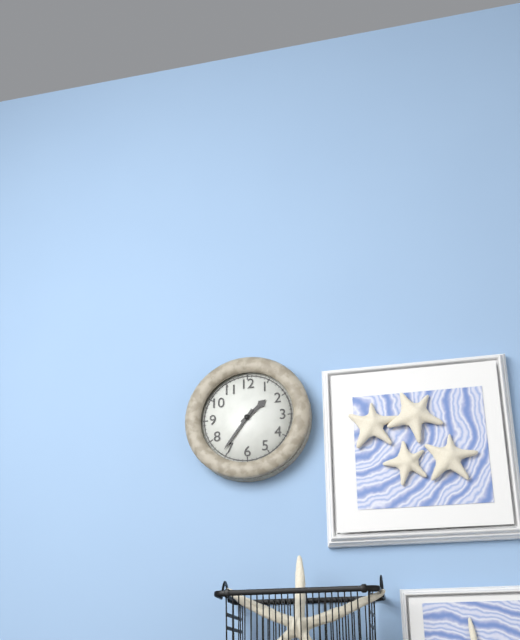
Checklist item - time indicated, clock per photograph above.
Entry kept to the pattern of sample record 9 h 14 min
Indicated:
1 h 36 min
